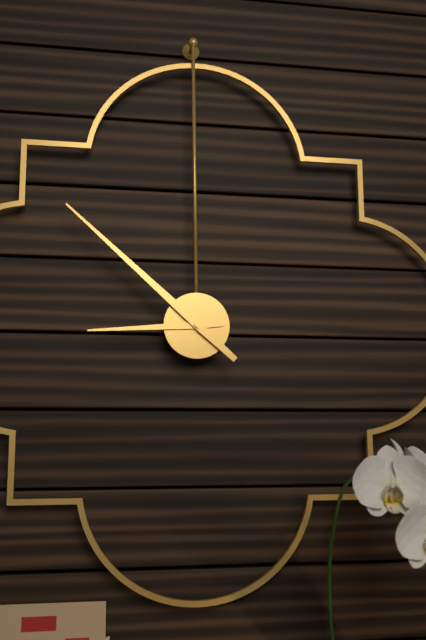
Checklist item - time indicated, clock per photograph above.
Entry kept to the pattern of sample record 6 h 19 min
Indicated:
8 h 52 min
